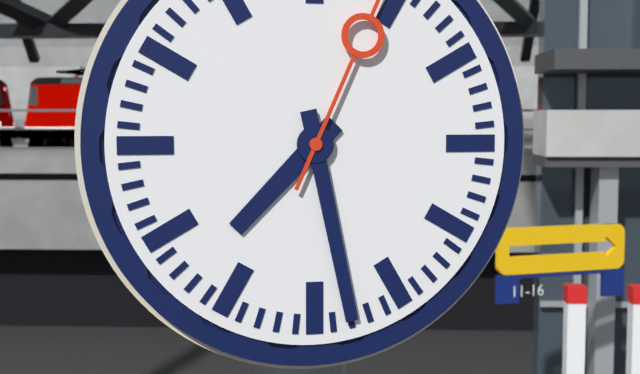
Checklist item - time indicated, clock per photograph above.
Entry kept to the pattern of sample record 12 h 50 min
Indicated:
7 h 28 min
